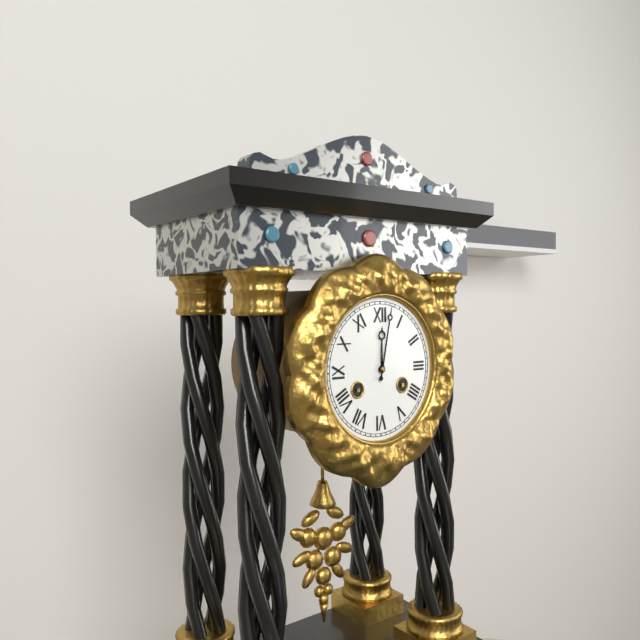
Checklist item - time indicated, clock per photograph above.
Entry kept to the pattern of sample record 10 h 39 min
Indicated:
12 h 02 min
